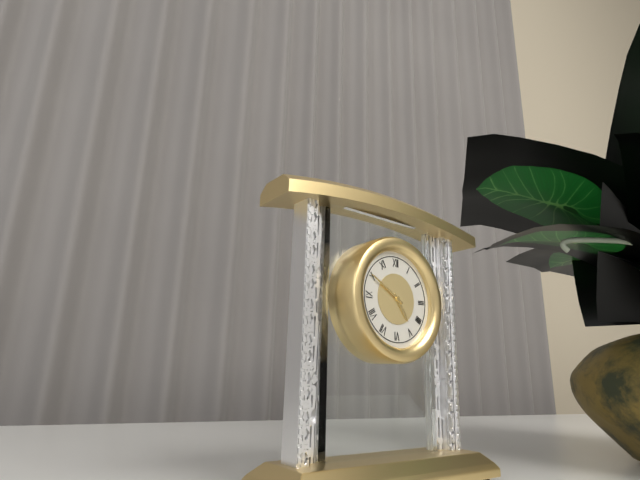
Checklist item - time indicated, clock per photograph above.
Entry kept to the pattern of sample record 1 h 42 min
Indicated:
4 h 50 min
